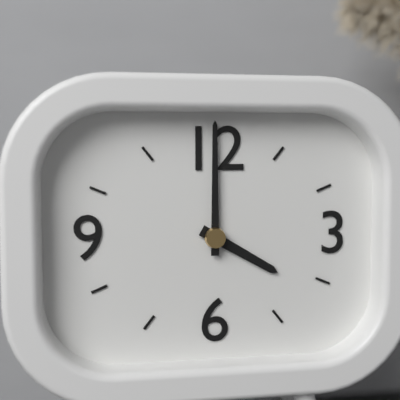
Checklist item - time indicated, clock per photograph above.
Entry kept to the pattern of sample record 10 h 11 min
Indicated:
4 h 00 min
